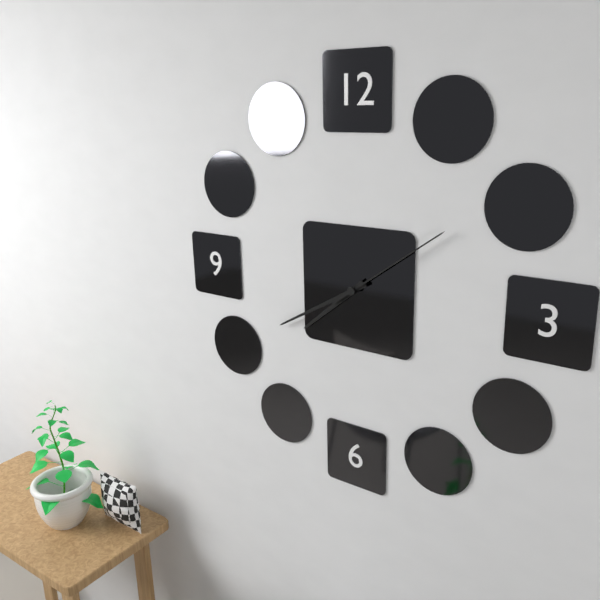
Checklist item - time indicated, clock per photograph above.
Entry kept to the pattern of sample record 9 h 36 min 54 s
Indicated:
7 h 40 min 09 s
